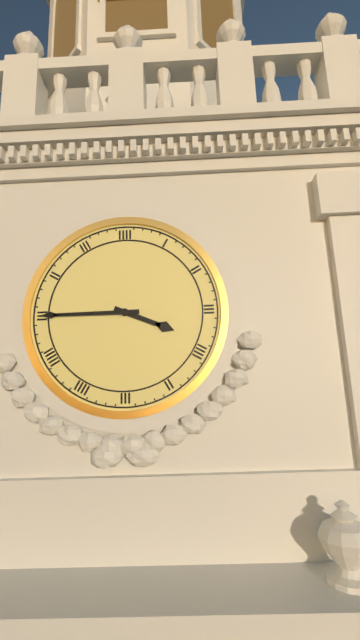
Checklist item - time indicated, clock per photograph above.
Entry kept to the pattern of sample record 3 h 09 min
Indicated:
3 h 45 min
